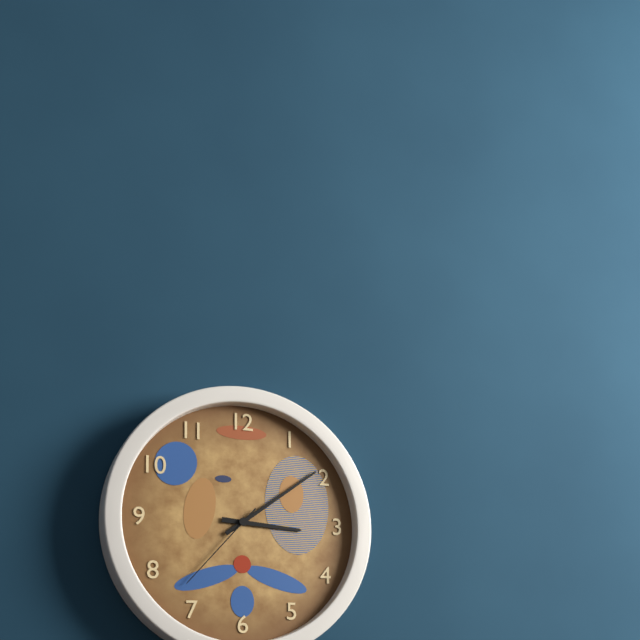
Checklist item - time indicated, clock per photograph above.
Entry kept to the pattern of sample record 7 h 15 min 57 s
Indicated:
3 h 09 min 37 s
